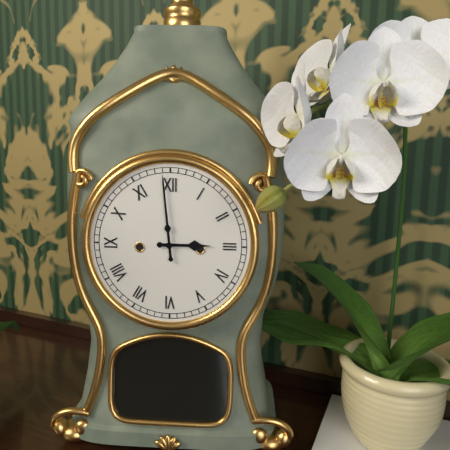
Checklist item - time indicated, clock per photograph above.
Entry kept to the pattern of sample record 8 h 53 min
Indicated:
2 h 59 min
